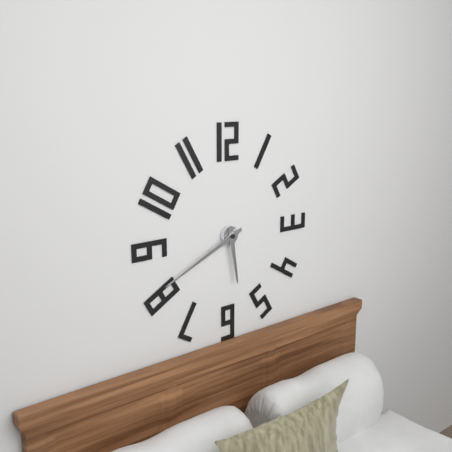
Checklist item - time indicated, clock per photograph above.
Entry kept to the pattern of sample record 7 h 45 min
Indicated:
5 h 41 min
